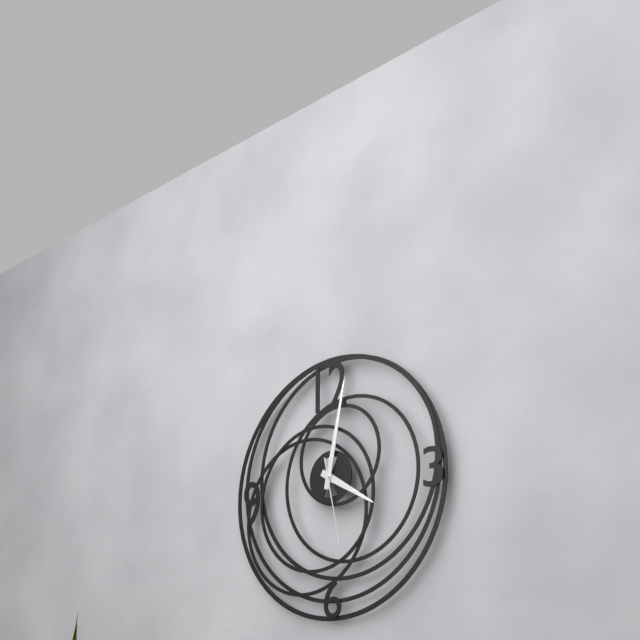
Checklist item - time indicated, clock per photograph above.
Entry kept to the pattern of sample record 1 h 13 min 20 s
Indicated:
4 h 02 min 28 s
